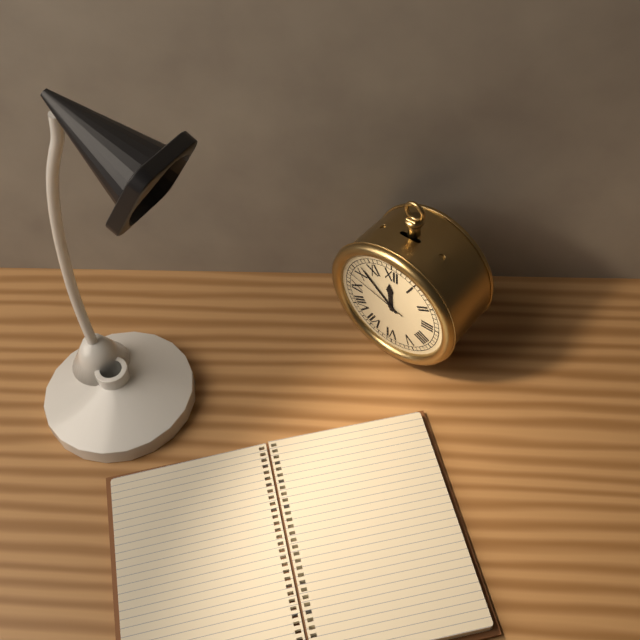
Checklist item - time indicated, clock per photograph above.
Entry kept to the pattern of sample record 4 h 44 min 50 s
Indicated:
11 h 52 min 48 s
